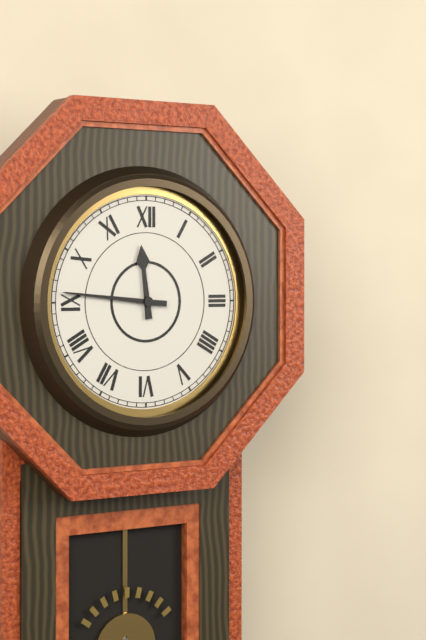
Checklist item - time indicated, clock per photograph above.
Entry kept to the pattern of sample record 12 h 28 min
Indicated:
11 h 46 min
